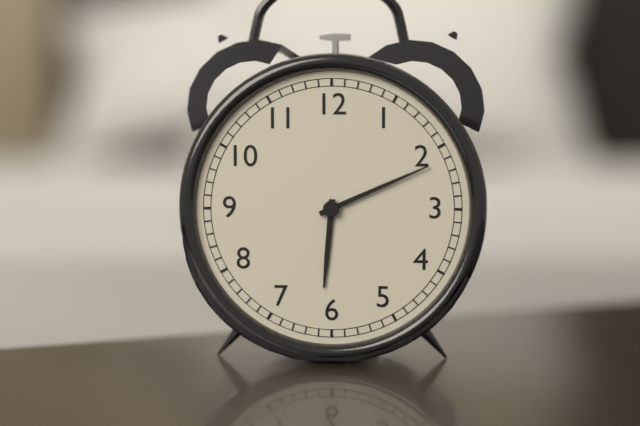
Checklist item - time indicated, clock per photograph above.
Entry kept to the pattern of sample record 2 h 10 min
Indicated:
6 h 11 min
